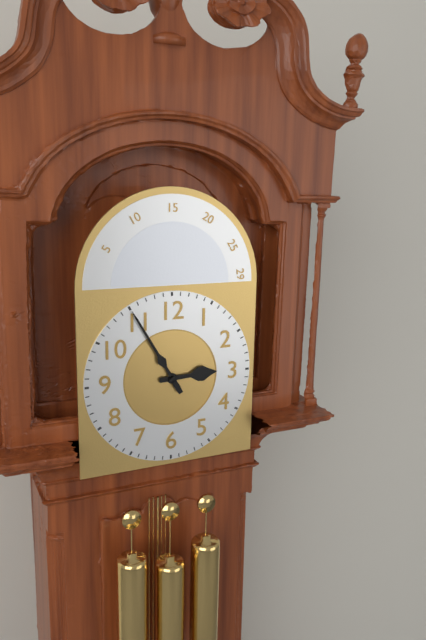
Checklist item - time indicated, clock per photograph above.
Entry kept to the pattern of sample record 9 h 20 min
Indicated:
2 h 55 min
